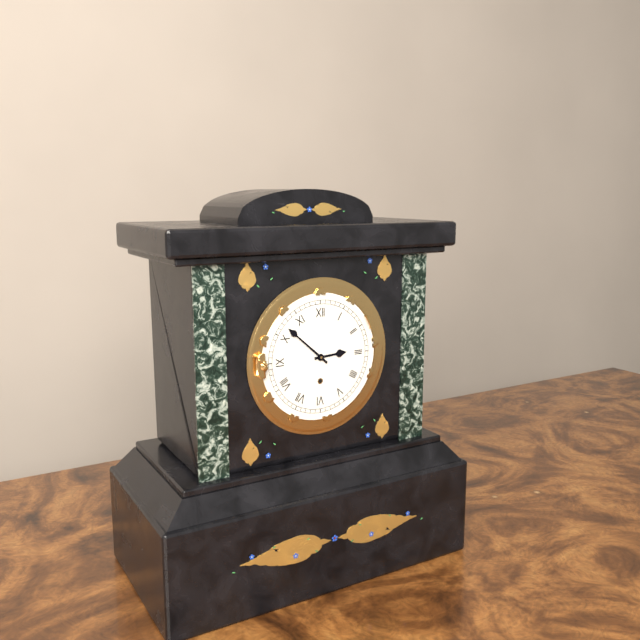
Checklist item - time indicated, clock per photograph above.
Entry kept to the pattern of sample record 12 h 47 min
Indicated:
2 h 52 min
